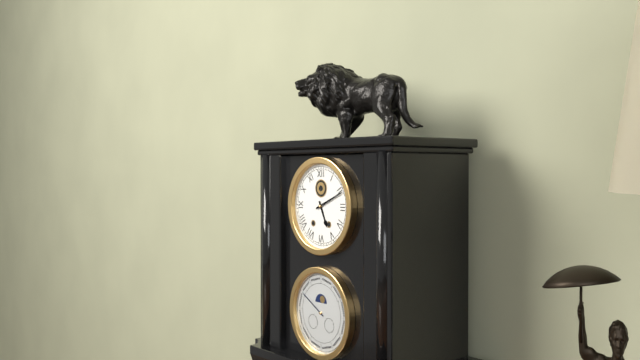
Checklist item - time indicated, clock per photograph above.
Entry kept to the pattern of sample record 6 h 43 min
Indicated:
5 h 11 min
